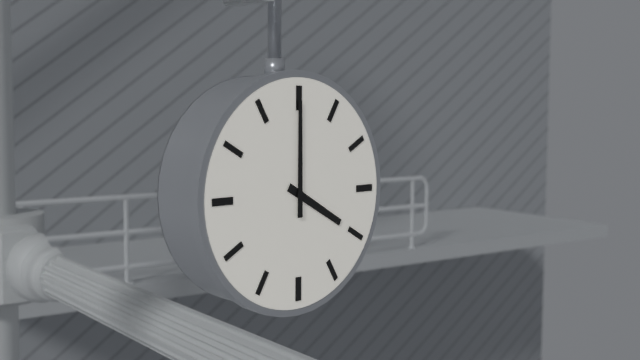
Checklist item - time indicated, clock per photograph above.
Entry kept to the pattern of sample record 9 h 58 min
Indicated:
4 h 00 min
